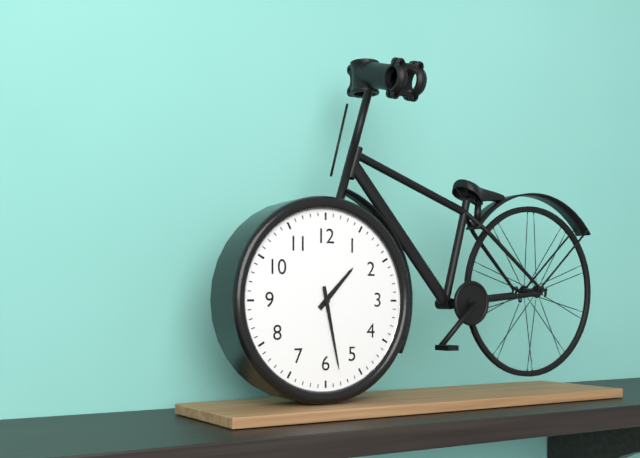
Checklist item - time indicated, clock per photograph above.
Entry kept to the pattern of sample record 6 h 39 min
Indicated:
1 h 28 min
